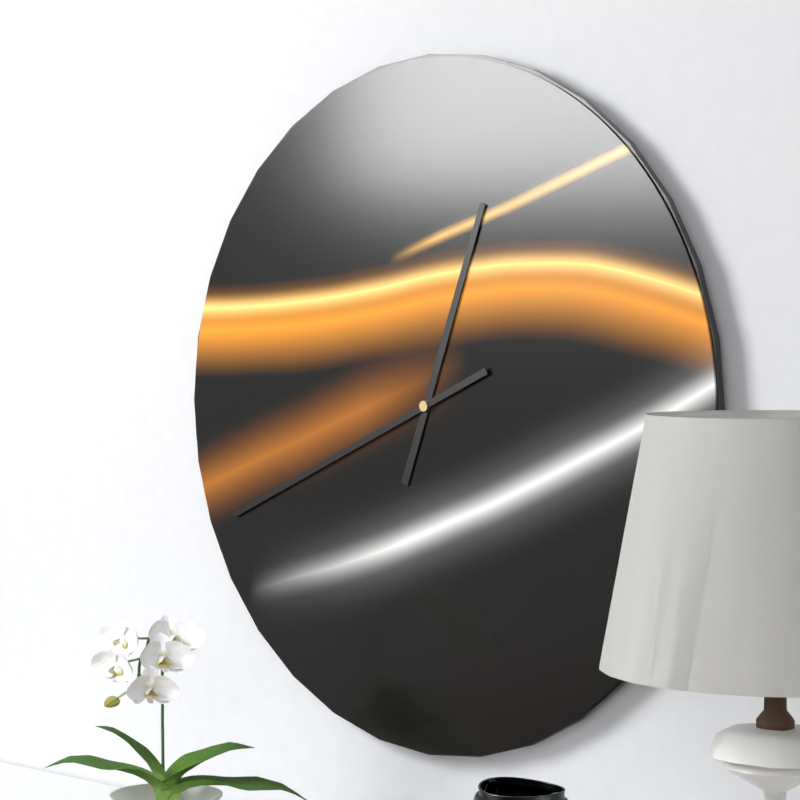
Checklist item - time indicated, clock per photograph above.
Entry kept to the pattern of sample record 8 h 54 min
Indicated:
12 h 41 min
